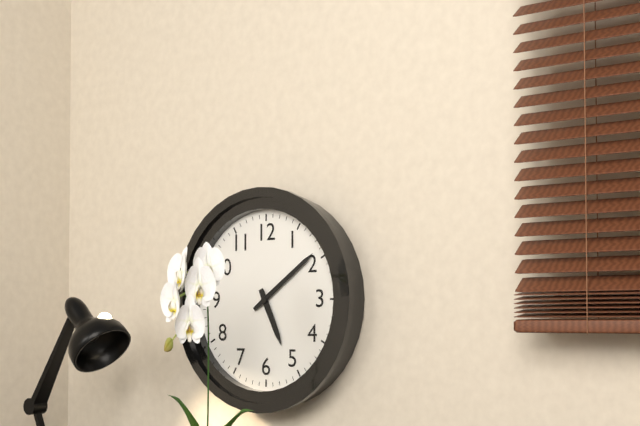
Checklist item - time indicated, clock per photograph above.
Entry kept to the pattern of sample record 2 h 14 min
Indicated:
5 h 09 min
